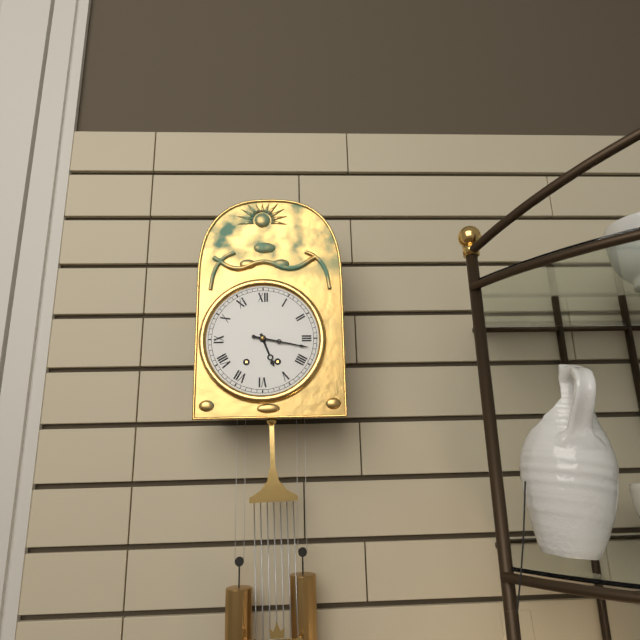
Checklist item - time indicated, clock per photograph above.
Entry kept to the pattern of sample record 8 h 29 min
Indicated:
5 h 17 min
